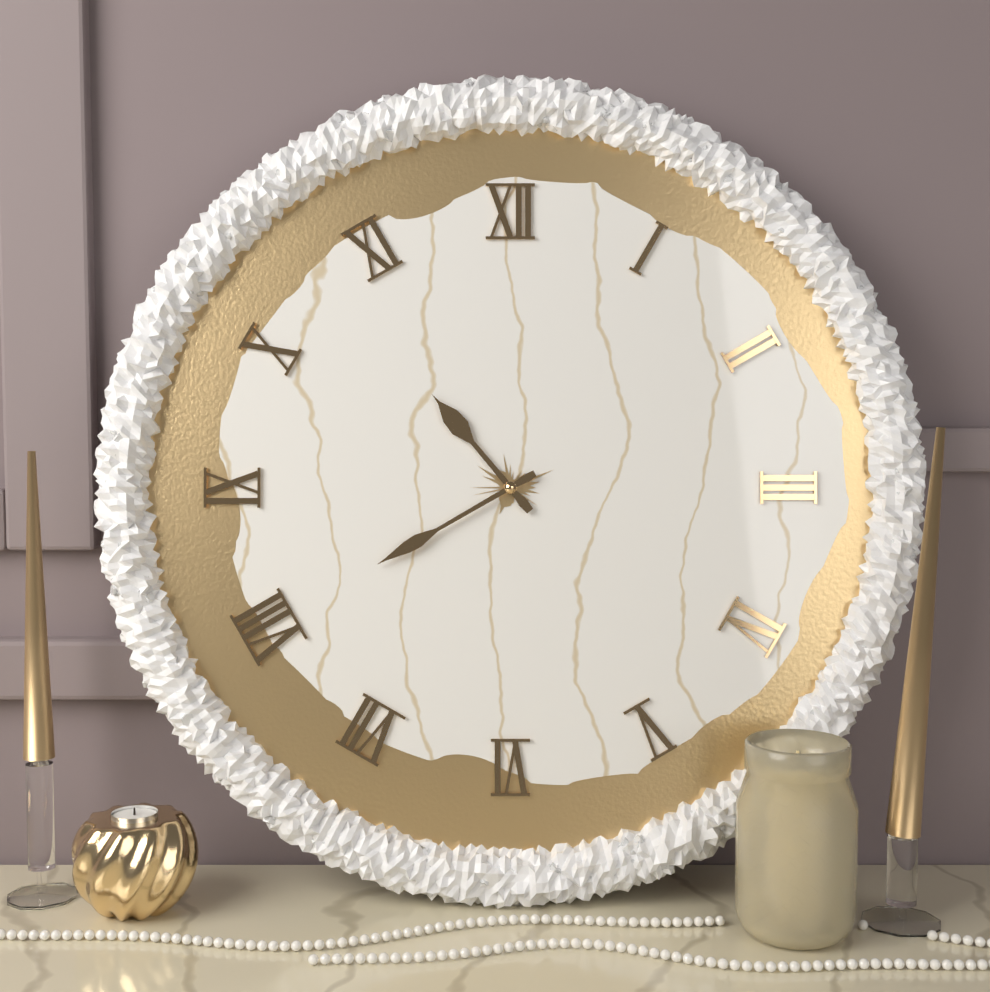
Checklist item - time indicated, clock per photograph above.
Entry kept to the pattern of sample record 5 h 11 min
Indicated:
10 h 40 min
